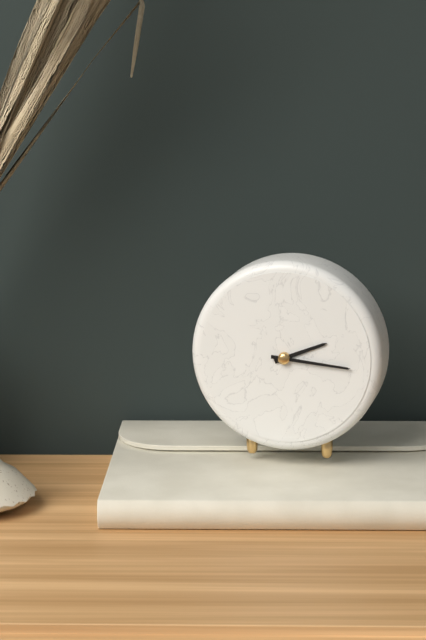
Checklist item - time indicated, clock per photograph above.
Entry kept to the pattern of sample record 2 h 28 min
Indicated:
2 h 16 min
